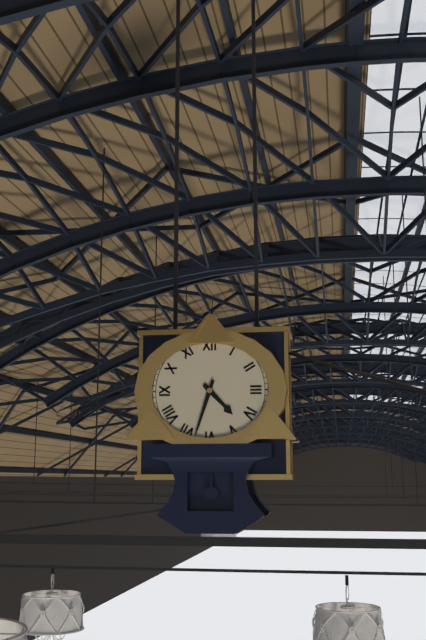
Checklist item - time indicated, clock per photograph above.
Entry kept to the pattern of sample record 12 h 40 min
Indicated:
4 h 33 min
